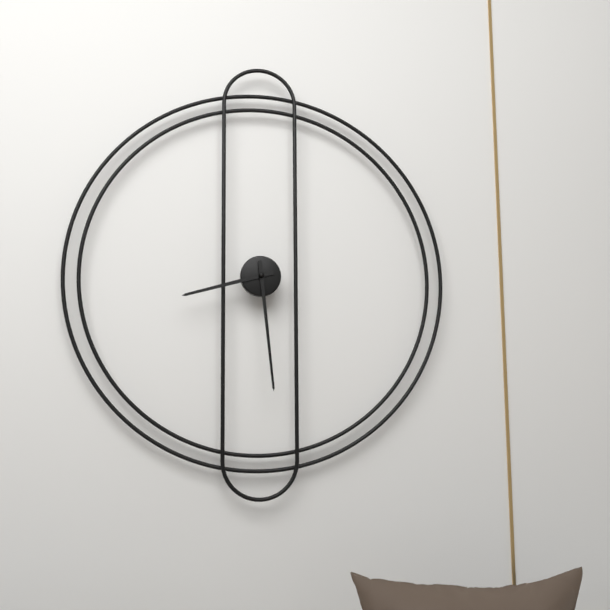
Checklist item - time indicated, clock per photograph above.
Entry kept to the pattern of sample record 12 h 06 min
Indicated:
8 h 29 min
